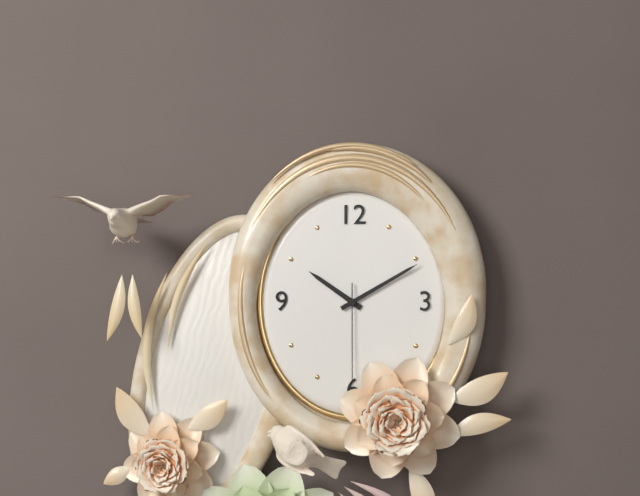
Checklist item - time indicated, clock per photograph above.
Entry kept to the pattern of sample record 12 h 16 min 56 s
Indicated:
10 h 10 min 30 s
